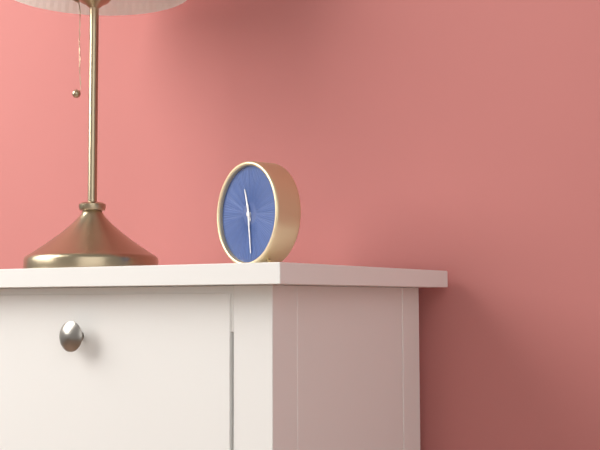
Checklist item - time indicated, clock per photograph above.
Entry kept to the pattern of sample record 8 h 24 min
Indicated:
11 h 29 min
